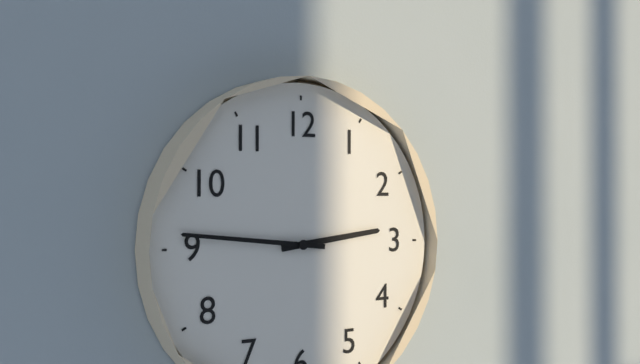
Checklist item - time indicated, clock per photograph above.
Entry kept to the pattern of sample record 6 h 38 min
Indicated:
2 h 46 min
